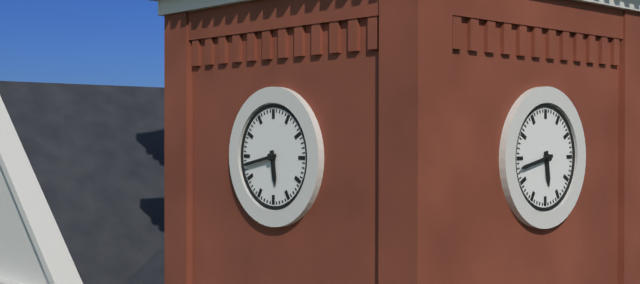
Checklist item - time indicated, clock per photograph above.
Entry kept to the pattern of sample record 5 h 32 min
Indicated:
5 h 43 min
